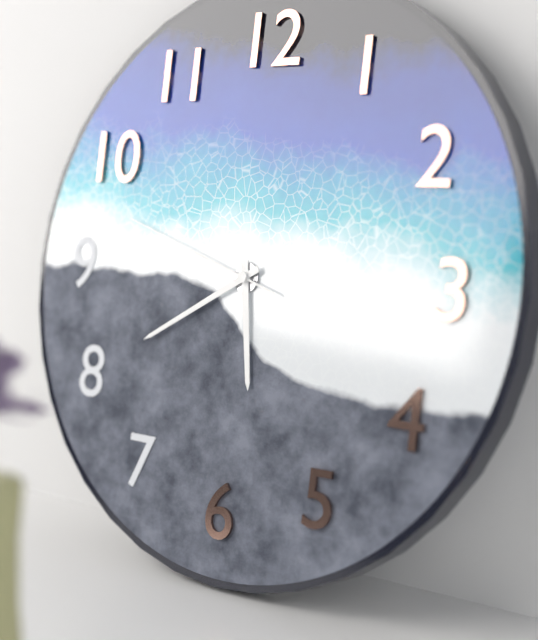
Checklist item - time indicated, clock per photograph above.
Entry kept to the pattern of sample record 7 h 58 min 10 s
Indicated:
5 h 40 min 48 s
